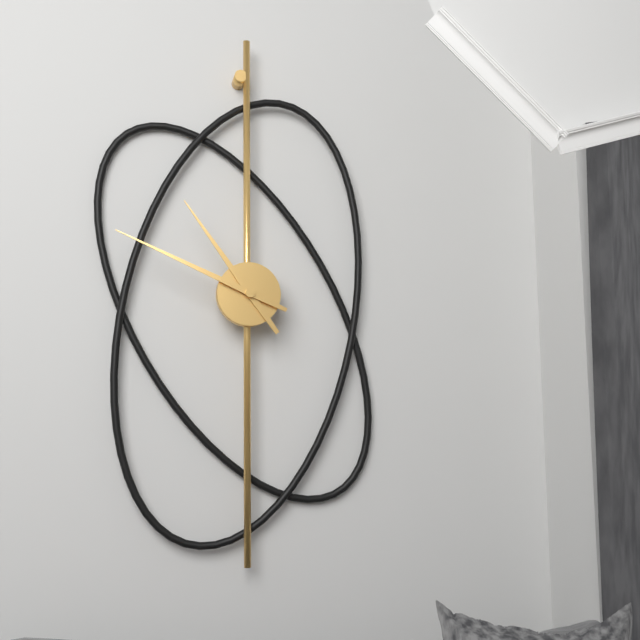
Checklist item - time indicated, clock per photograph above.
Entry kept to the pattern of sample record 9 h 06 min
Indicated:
10 h 49 min
